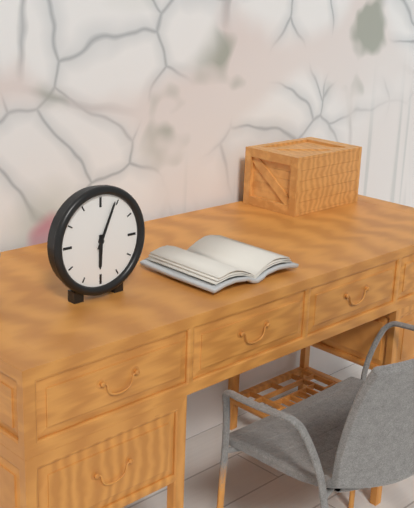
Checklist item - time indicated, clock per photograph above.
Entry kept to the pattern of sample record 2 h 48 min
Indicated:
6 h 04 min
